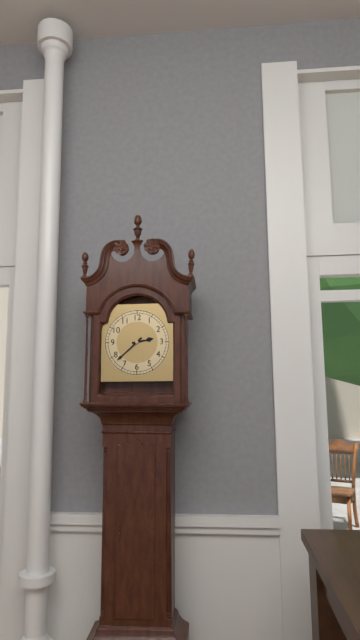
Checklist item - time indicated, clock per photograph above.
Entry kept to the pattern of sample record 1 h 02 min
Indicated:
2 h 38 min
